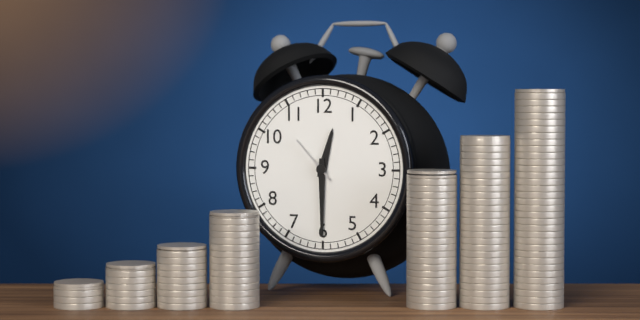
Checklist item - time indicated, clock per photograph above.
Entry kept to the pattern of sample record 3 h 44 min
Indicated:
12 h 30 min
